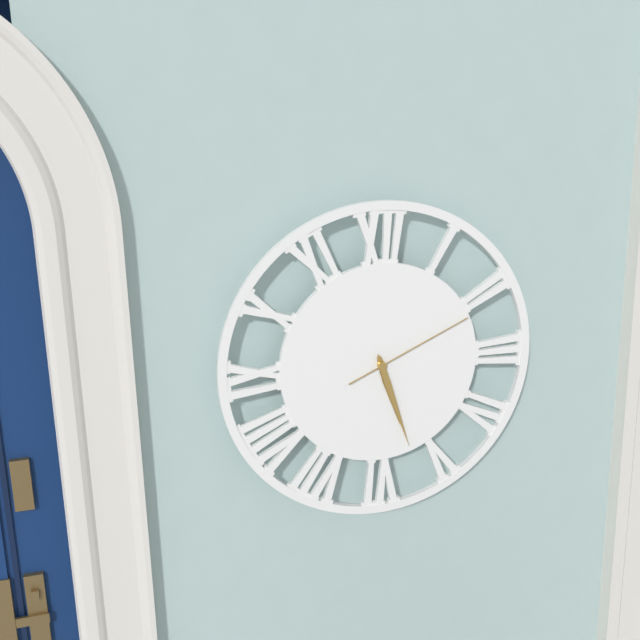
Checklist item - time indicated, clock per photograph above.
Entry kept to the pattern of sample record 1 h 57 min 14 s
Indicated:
5 h 27 min 11 s
